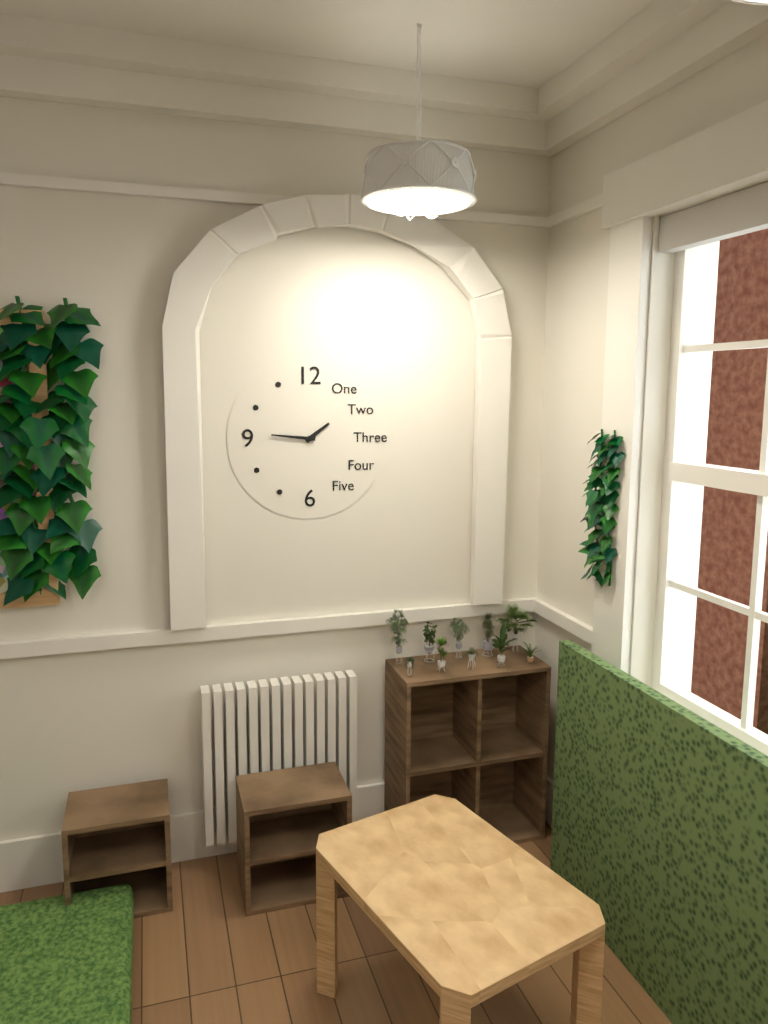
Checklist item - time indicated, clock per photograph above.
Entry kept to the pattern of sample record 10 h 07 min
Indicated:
1 h 46 min
